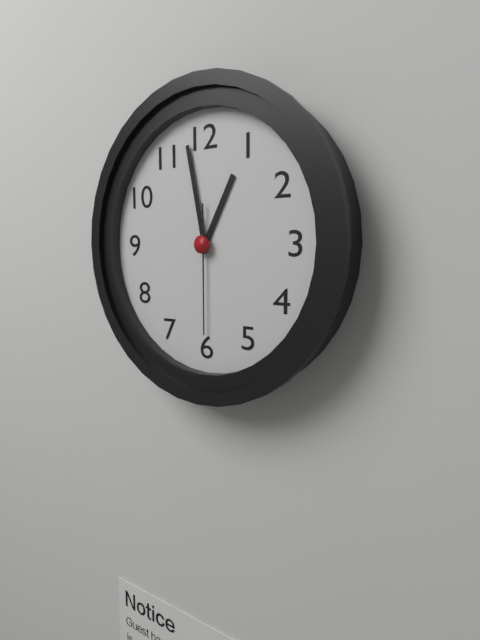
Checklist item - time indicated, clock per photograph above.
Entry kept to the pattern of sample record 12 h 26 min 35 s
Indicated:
12 h 58 min 30 s
